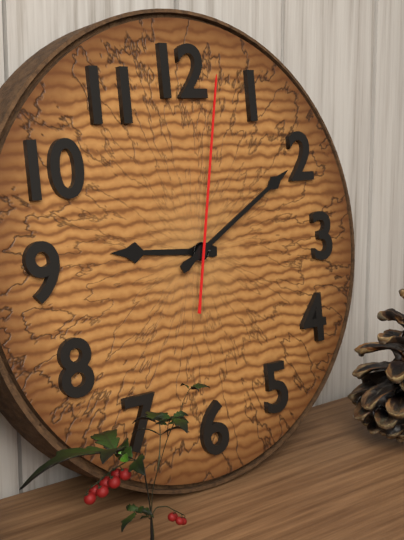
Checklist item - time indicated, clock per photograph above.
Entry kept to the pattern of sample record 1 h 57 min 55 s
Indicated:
9 h 10 min 02 s
